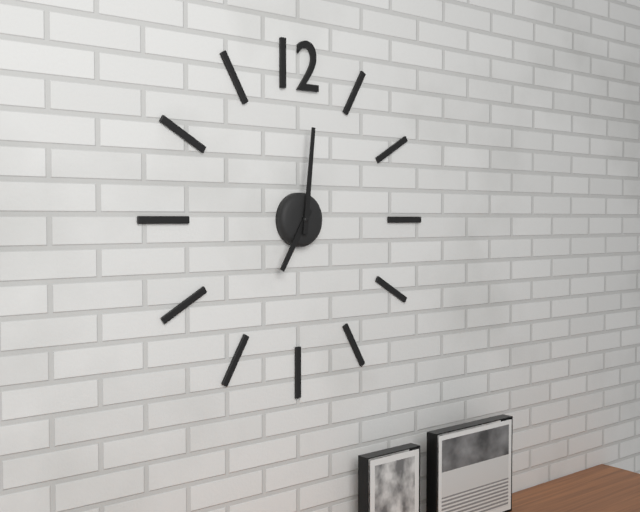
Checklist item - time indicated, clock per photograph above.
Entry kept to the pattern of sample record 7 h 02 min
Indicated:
7 h 01 min
